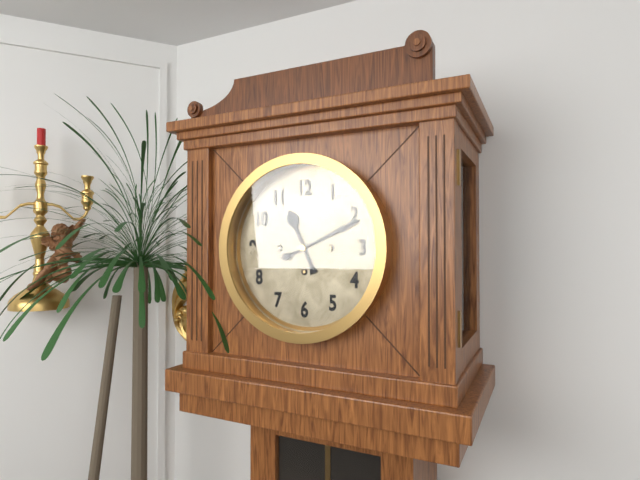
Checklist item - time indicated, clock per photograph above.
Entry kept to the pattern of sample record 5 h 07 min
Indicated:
11 h 11 min
